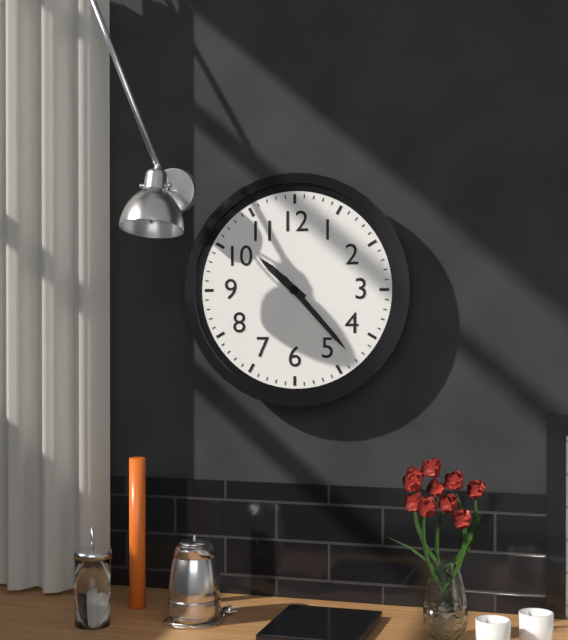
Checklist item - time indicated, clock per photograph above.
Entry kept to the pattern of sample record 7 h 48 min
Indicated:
10 h 23 min
